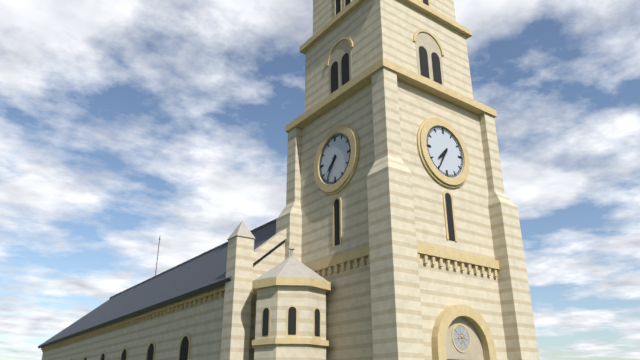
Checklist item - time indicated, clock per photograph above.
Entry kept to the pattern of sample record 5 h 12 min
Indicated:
7 h 35 min
